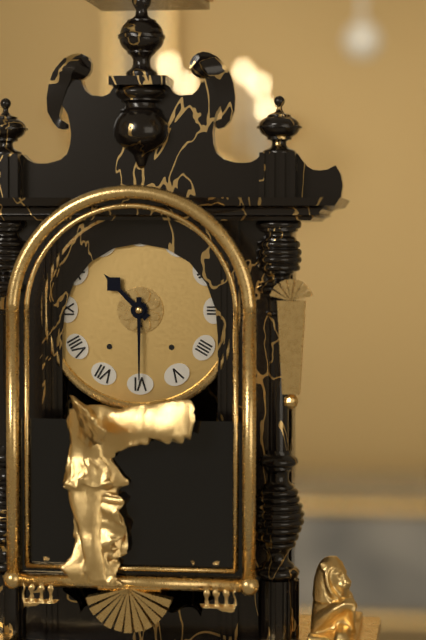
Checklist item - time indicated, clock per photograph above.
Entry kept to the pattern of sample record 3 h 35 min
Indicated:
10 h 30 min
